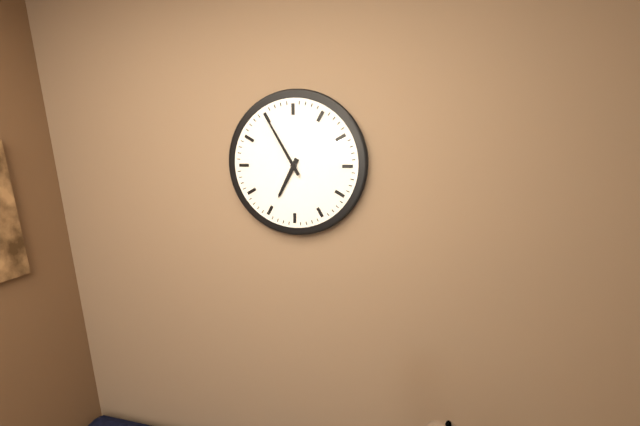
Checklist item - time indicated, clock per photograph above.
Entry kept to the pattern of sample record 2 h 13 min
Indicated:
6 h 55 min
